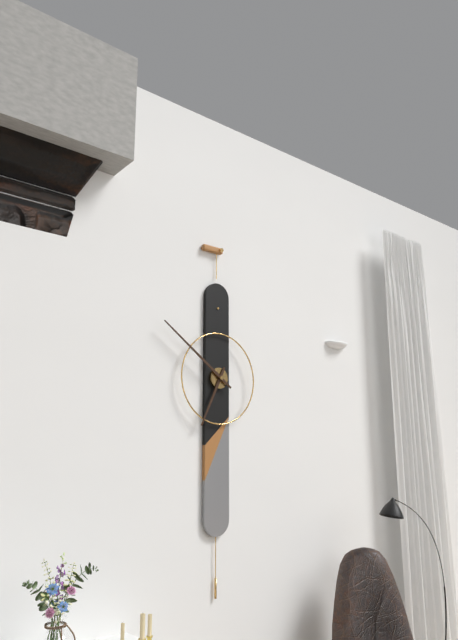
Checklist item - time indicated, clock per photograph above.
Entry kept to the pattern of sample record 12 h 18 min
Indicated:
6 h 51 min
